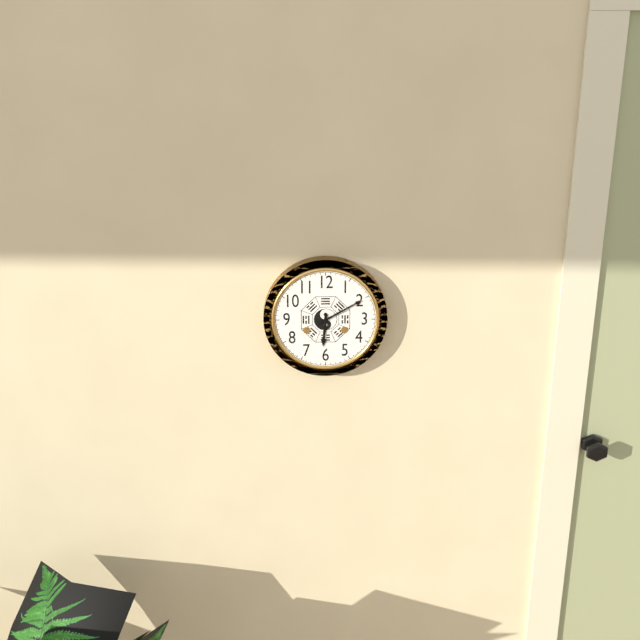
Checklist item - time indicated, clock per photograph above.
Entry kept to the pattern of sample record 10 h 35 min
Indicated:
6 h 10 min
